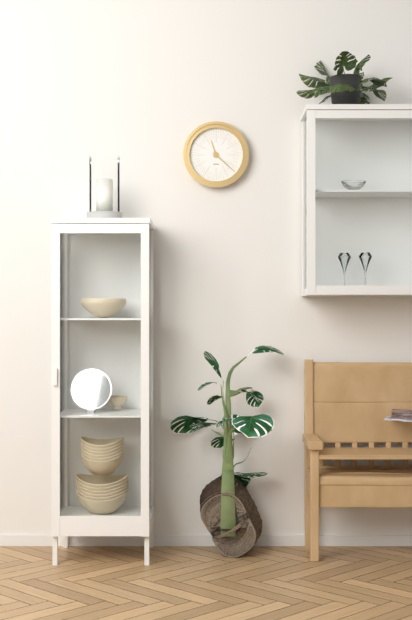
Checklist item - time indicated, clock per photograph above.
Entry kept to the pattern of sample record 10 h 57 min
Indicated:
11 h 22 min
